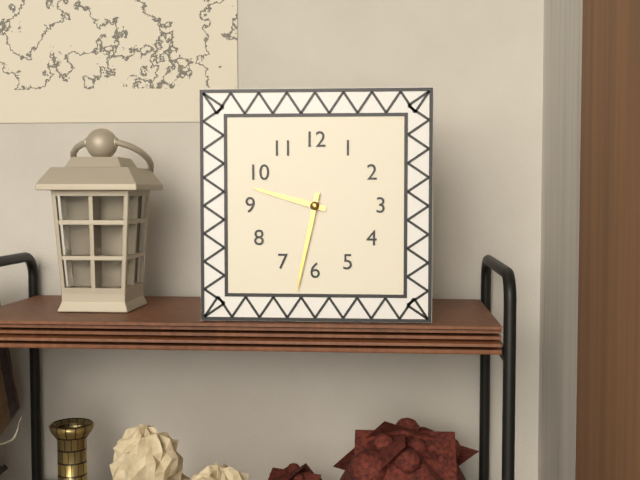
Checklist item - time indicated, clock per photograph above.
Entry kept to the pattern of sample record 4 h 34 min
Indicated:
9 h 32 min
